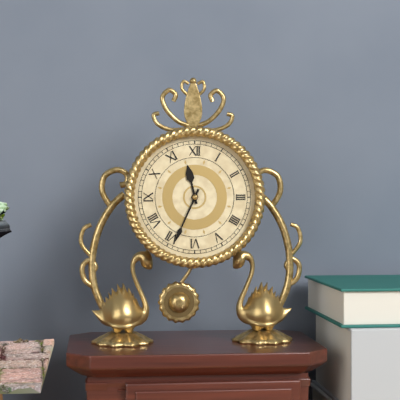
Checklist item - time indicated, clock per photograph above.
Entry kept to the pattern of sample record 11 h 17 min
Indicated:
11 h 34 min
